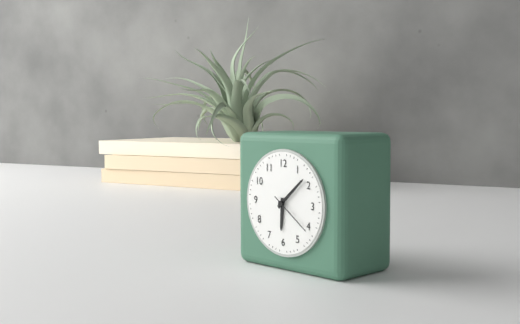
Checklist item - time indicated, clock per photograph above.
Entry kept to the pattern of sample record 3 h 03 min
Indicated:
6 h 08 min
